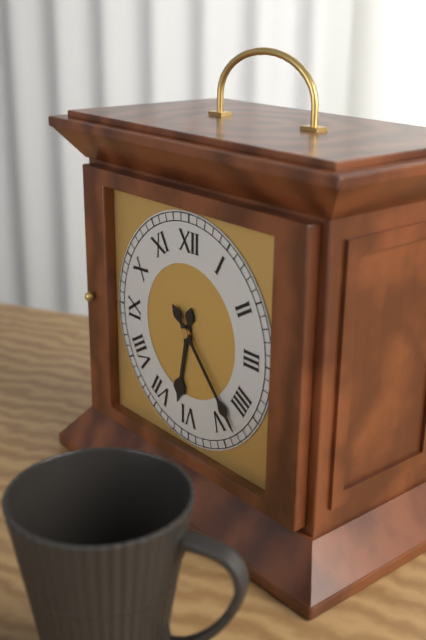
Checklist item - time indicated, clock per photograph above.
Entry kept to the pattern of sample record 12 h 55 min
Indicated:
6 h 23 min
